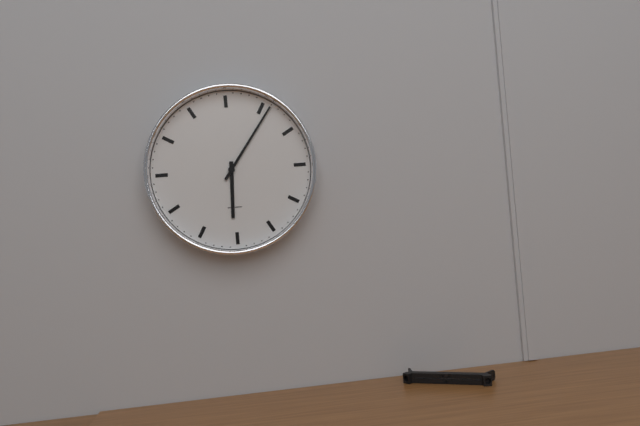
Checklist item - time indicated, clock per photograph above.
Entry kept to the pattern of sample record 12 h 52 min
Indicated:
6 h 06 min
